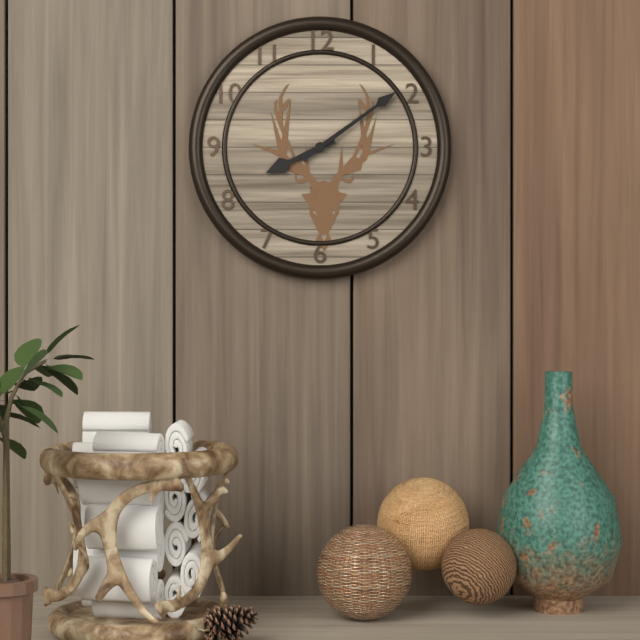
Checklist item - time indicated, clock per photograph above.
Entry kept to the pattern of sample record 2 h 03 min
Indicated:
8 h 09 min
